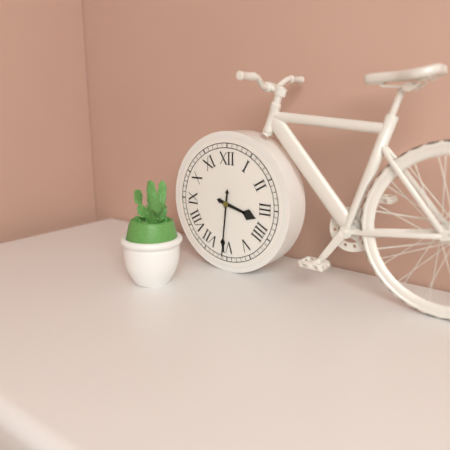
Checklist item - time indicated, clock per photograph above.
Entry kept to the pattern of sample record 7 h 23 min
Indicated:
3 h 31 min
